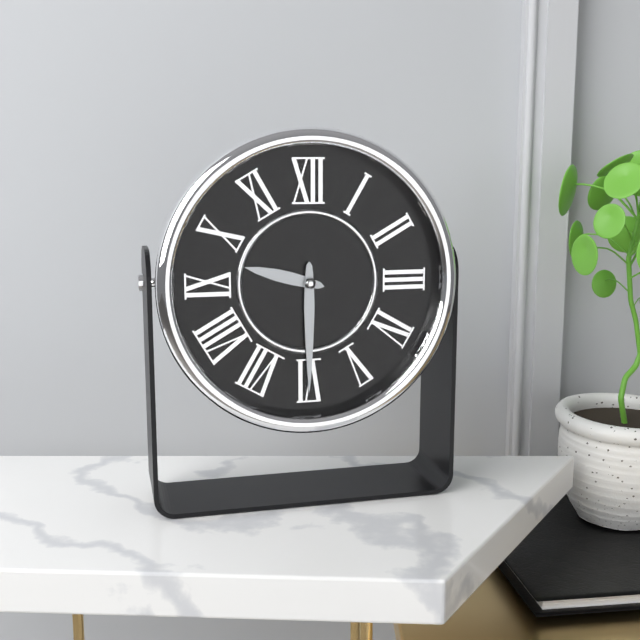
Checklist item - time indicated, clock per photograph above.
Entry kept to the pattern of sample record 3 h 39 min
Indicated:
9 h 30 min
